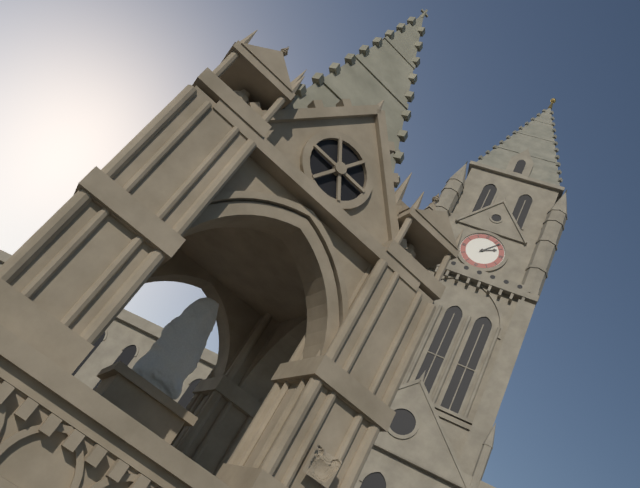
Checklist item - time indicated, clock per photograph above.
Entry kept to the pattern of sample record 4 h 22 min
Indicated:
2 h 07 min
